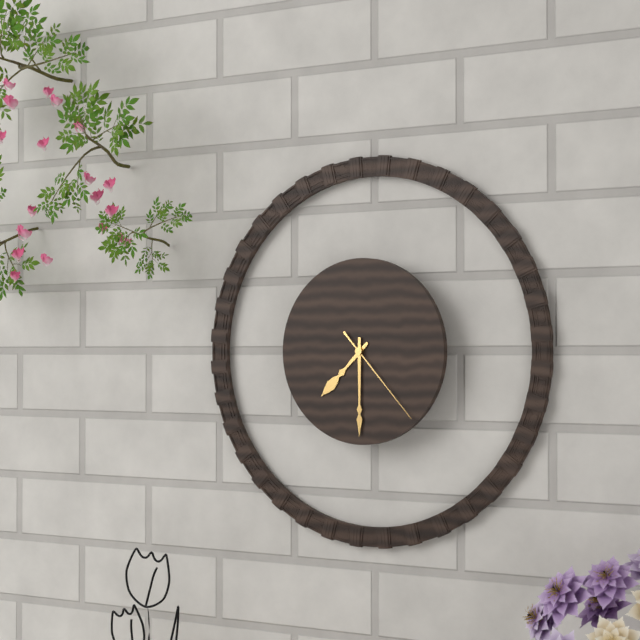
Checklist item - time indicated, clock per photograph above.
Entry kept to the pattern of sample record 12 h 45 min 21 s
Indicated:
7 h 30 min 23 s
